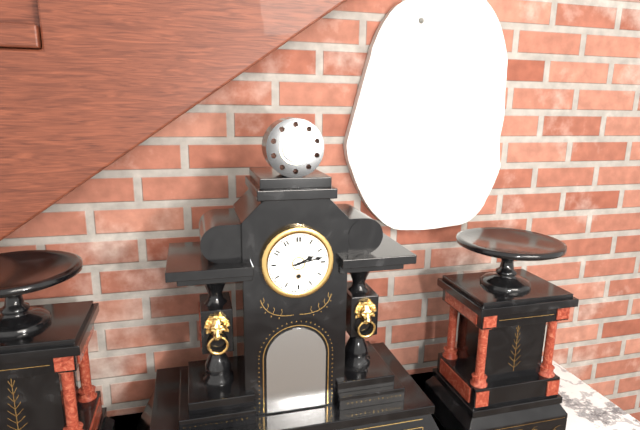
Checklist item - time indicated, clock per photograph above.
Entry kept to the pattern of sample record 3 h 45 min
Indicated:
2 h 13 min
